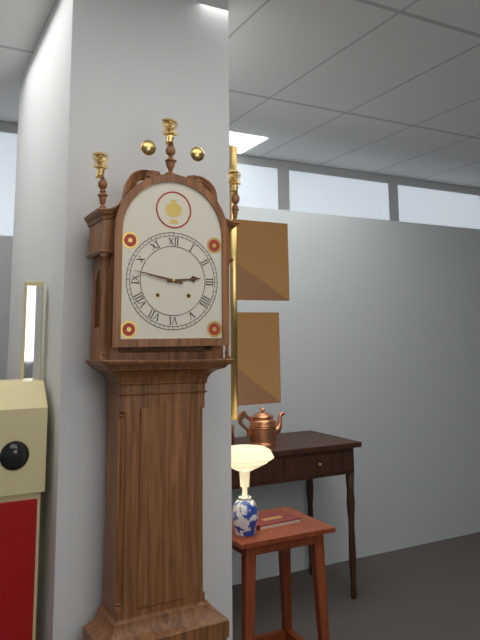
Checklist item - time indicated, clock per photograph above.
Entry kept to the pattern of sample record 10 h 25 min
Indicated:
2 h 47 min
